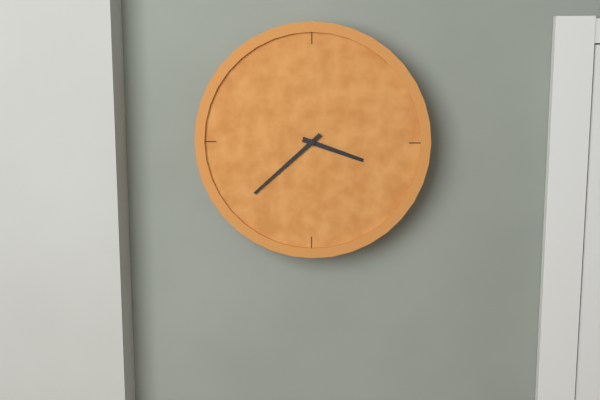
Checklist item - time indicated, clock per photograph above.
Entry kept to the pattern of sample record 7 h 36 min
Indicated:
3 h 38 min
